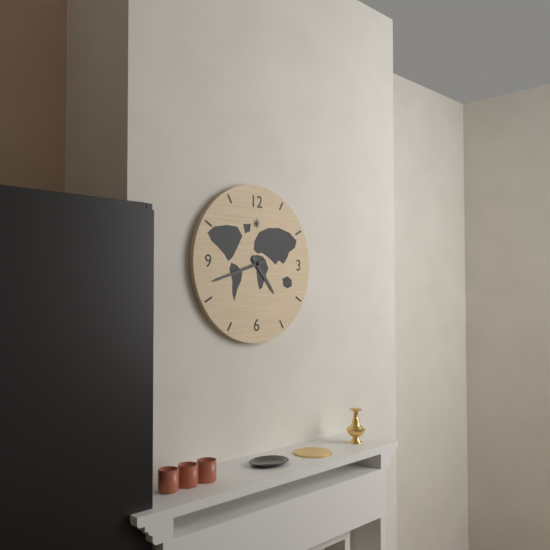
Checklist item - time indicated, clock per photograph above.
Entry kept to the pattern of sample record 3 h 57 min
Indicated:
4 h 42 min
